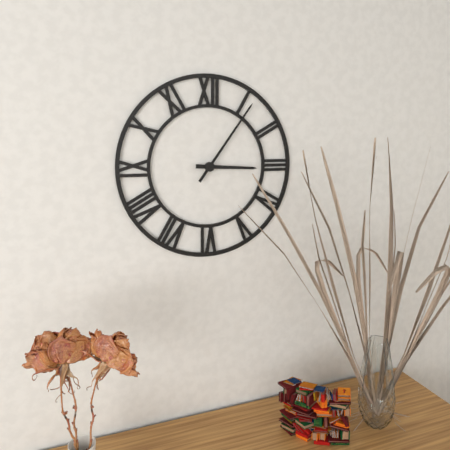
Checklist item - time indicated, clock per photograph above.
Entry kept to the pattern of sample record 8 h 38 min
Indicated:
3 h 06 min
